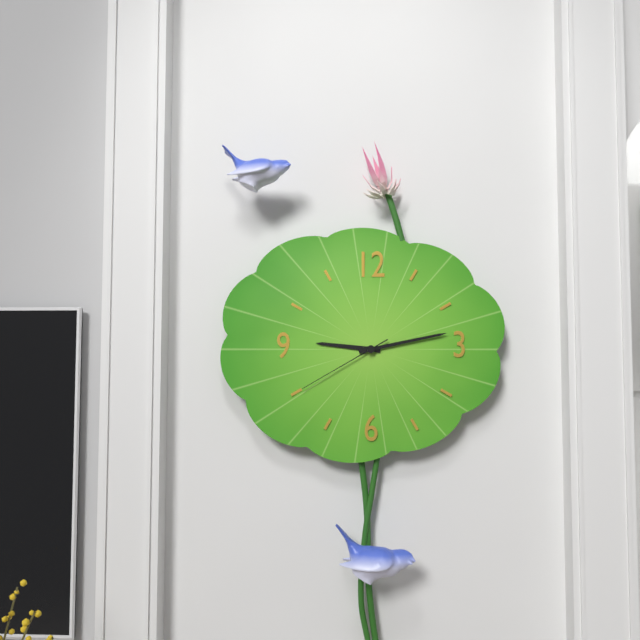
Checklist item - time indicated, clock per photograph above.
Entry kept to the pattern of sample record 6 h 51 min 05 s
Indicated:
9 h 13 min 40 s
